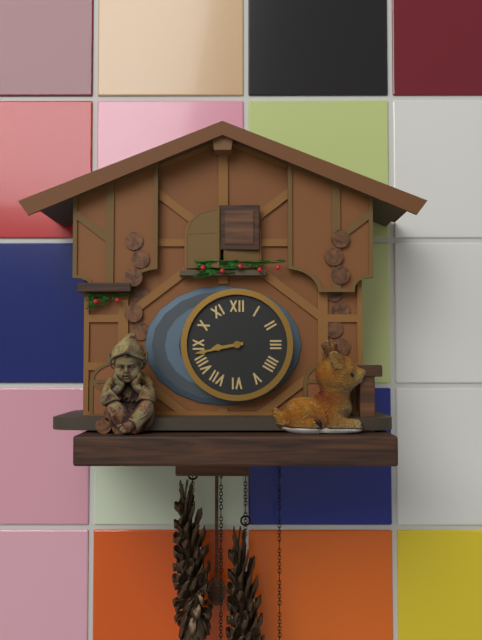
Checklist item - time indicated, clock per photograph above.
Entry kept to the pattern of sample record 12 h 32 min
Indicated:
8 h 43 min
